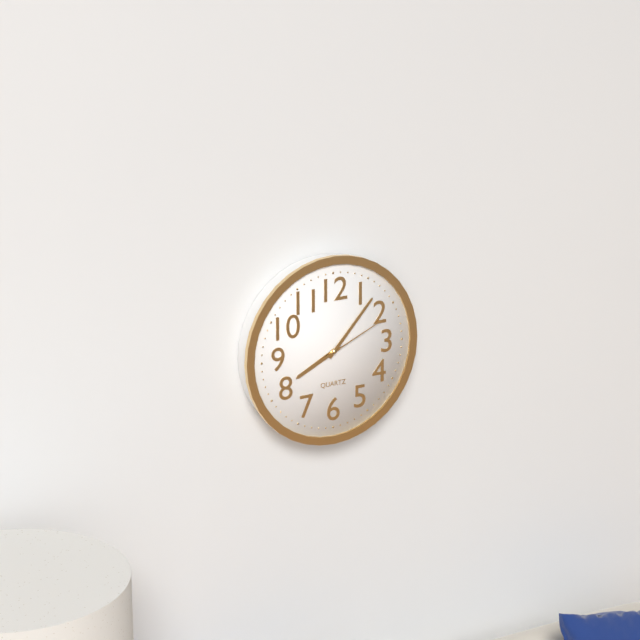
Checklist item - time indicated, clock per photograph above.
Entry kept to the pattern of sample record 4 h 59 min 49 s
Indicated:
8 h 07 min 11 s
